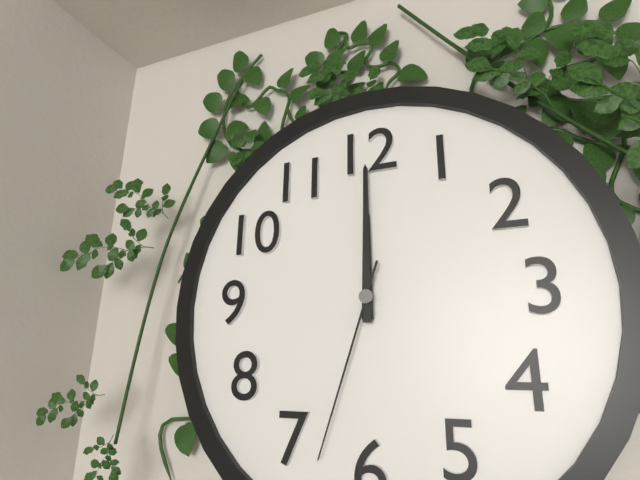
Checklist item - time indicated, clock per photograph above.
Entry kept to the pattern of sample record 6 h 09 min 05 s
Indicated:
12 h 00 min 33 s
